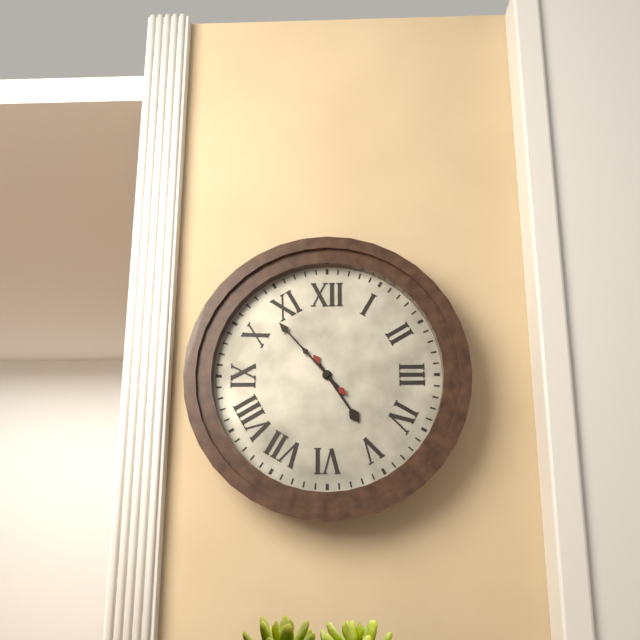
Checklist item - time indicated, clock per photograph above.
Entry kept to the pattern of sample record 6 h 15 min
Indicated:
4 h 53 min
